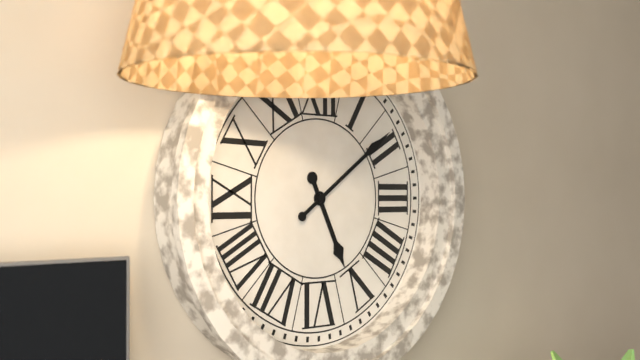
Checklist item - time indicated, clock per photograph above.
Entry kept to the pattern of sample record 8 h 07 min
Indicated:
5 h 09 min
